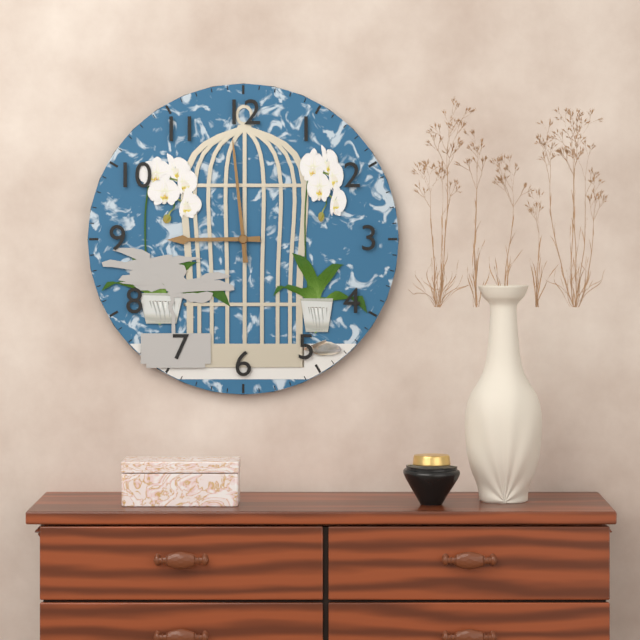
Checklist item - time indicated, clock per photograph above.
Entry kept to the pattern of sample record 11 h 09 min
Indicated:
8 h 59 min
